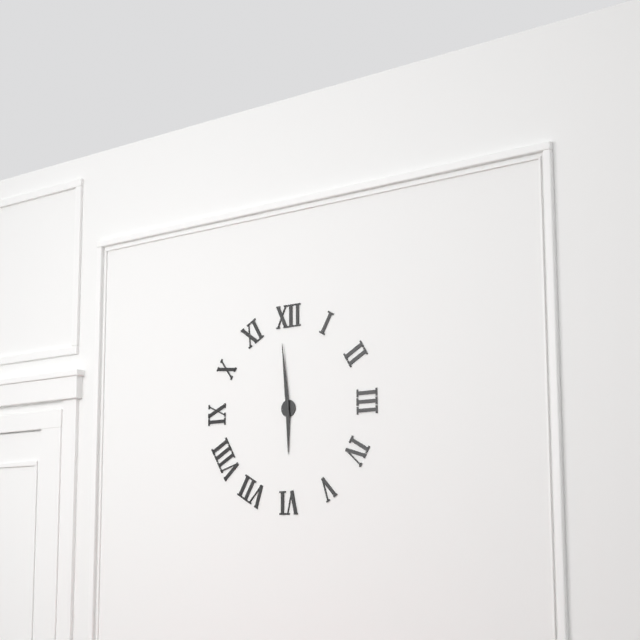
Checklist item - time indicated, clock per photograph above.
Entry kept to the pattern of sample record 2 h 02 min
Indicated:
5 h 59 min
